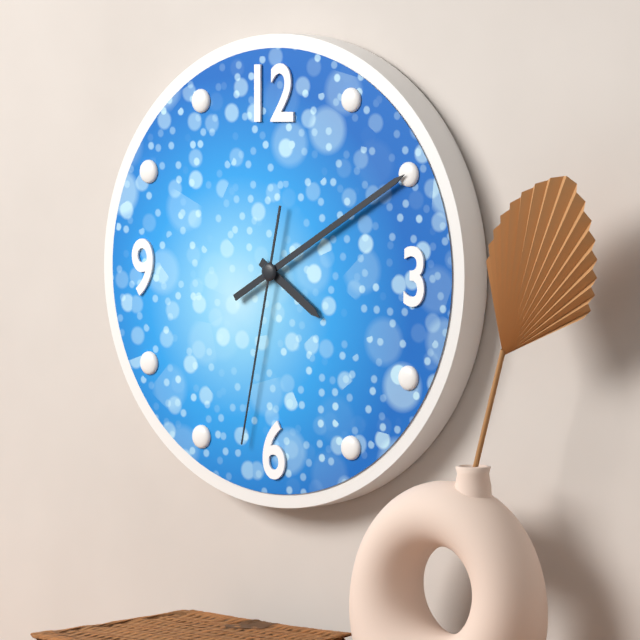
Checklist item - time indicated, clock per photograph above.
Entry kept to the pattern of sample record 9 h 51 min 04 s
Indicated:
4 h 10 min 32 s
